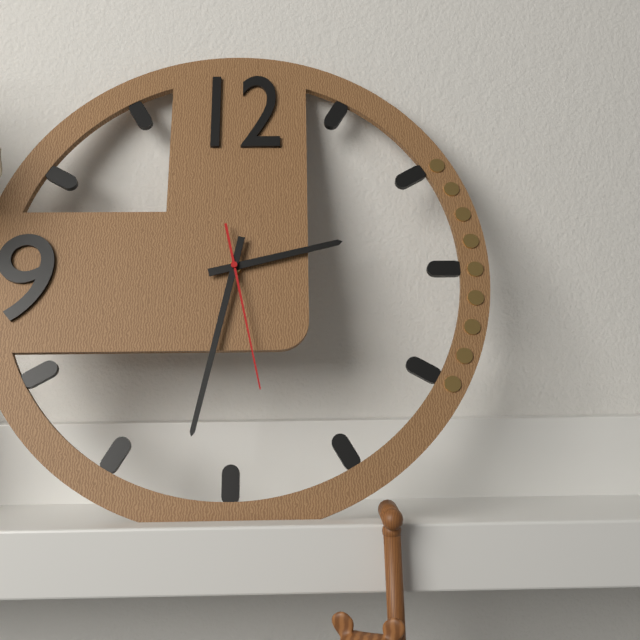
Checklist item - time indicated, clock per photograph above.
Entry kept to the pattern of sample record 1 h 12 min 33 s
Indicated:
2 h 32 min 28 s
